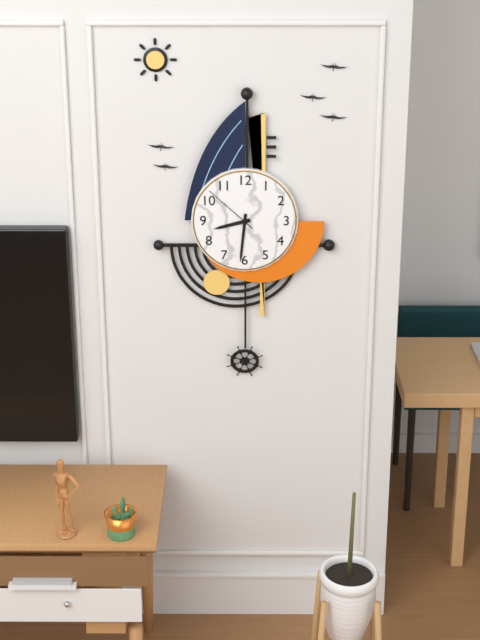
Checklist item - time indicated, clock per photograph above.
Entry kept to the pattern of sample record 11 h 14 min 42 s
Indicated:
8 h 31 min 52 s
